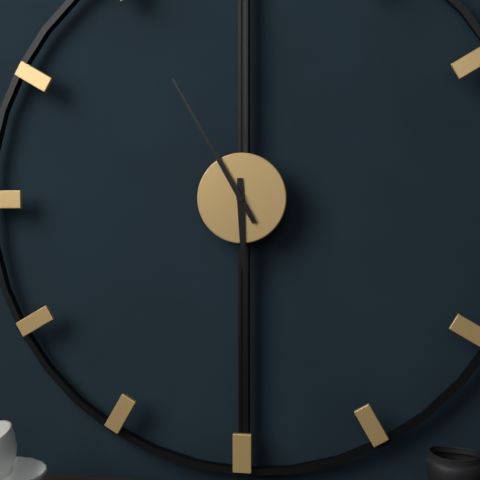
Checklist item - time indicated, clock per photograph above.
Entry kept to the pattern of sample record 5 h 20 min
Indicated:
5 h 55 min
